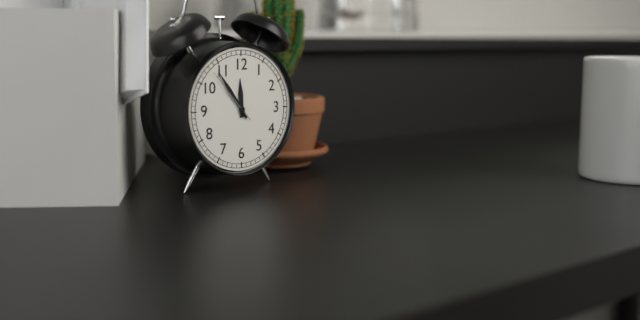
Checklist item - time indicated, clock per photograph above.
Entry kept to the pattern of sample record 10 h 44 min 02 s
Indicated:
11 h 54 min 53 s
